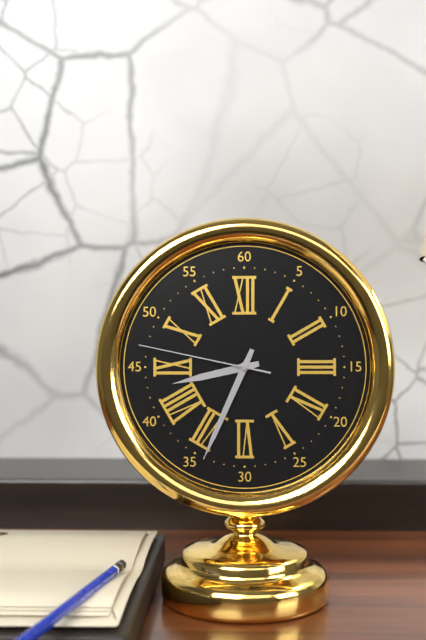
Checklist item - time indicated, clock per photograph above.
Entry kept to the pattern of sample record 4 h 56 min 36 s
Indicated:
8 h 34 min 47 s
